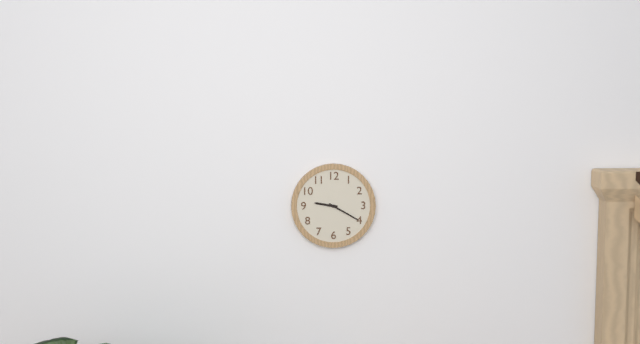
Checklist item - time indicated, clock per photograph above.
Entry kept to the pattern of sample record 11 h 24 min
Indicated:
9 h 20 min
